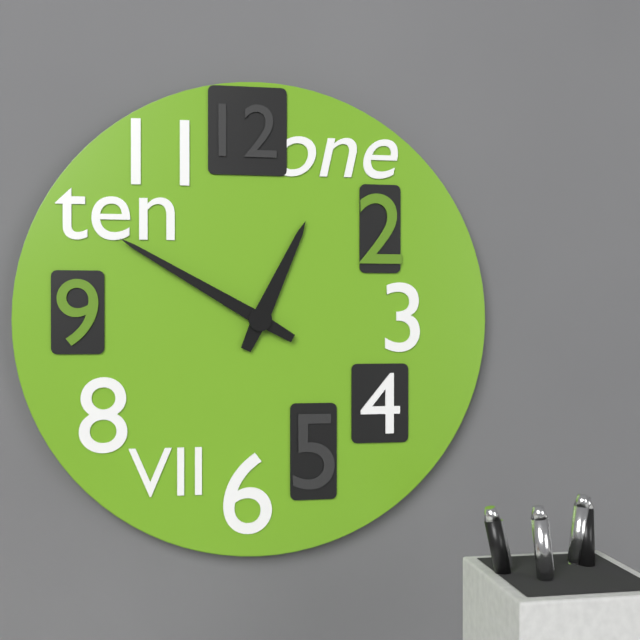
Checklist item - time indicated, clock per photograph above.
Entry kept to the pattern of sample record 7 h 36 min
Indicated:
12 h 50 min
